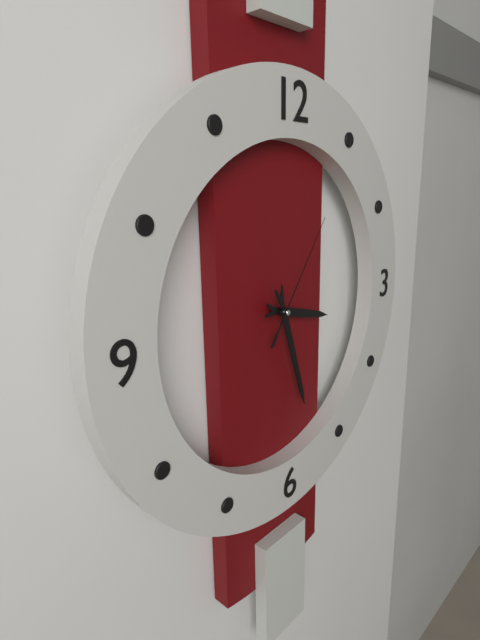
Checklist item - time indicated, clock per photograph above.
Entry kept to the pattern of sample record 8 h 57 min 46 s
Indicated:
3 h 27 min 06 s
